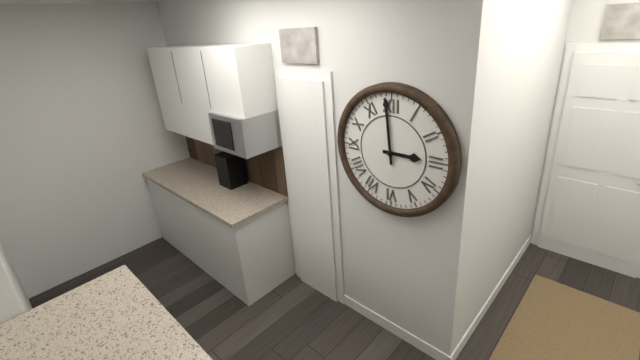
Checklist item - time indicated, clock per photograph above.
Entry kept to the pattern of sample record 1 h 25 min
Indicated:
2 h 59 min
